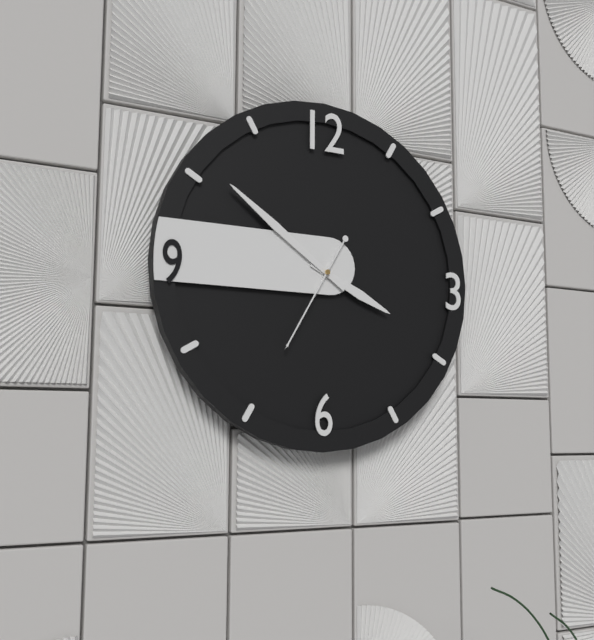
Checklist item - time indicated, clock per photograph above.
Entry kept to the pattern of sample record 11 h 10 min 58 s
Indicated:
3 h 51 min 35 s
